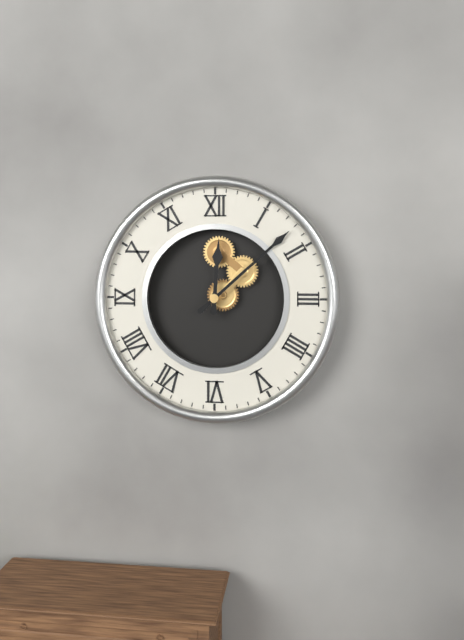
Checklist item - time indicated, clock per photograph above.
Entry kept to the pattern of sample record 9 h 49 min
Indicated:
12 h 08 min
